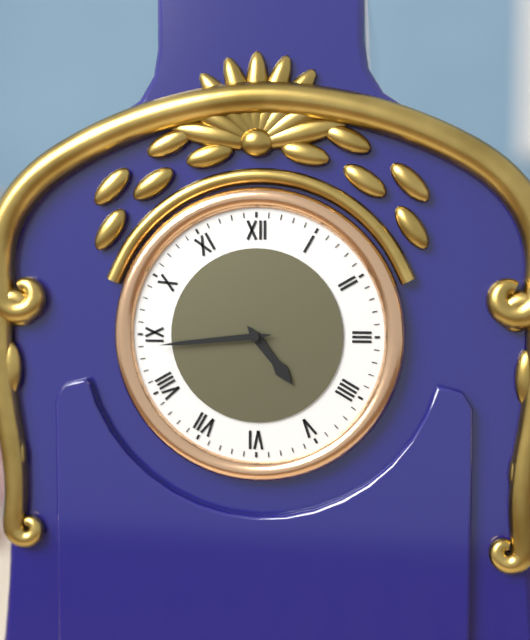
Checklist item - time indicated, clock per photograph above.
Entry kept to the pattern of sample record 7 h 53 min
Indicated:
4 h 44 min
